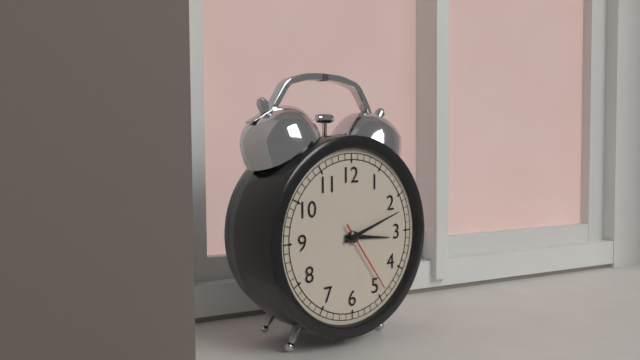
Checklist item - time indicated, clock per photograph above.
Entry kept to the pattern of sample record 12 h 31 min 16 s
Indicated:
3 h 12 min 24 s
